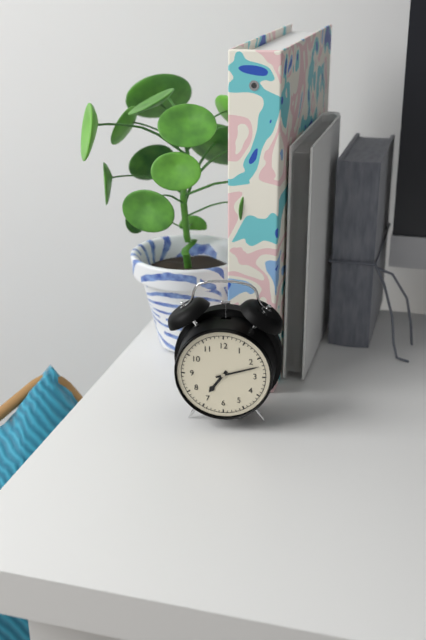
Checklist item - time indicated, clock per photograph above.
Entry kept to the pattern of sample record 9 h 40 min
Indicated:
7 h 12 min
